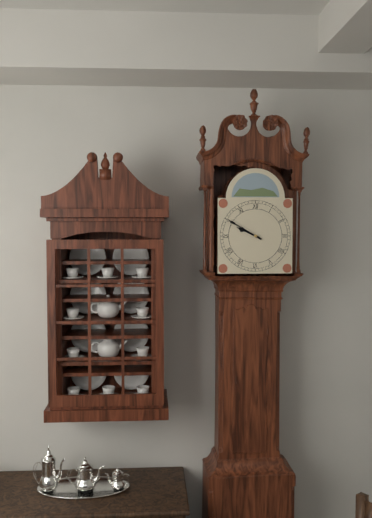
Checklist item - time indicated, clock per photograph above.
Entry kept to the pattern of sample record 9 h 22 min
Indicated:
9 h 50 min
